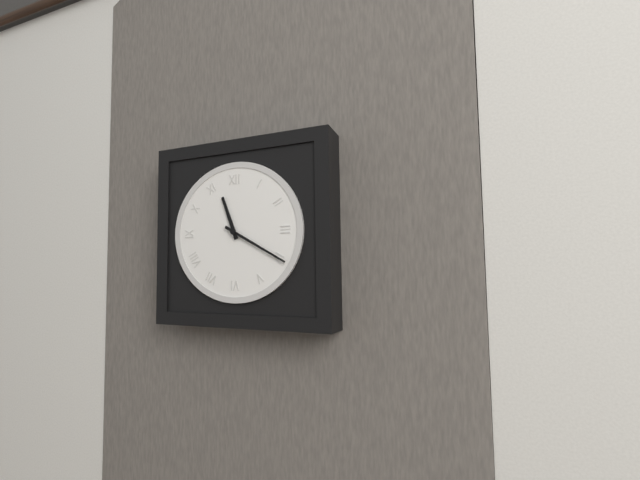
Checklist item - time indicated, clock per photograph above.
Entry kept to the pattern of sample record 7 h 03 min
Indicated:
11 h 20 min
